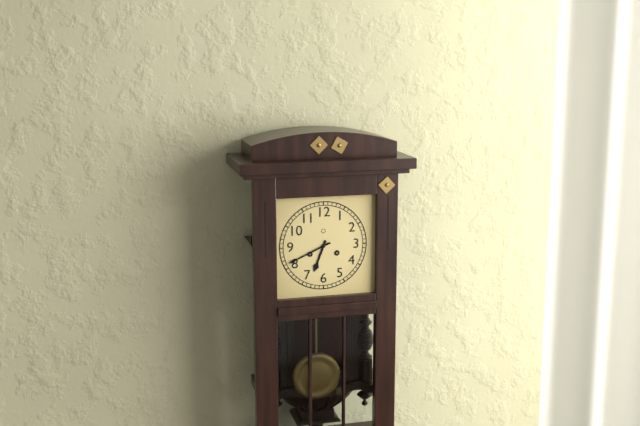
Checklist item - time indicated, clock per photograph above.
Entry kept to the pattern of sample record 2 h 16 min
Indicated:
6 h 41 min
